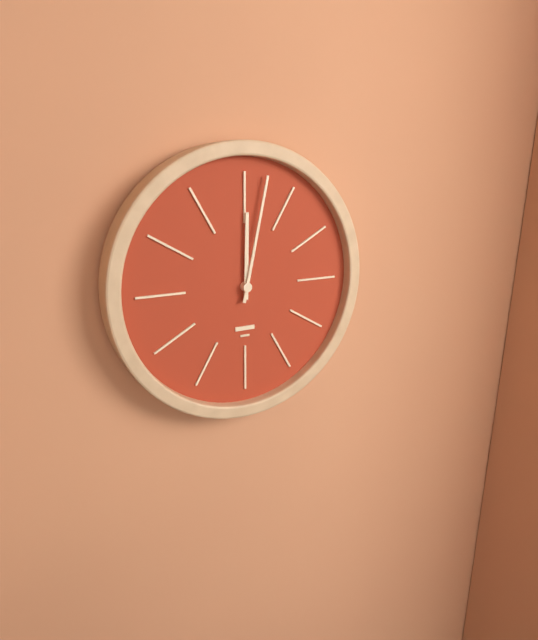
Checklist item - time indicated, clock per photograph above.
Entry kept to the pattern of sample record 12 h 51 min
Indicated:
12 h 02 min
